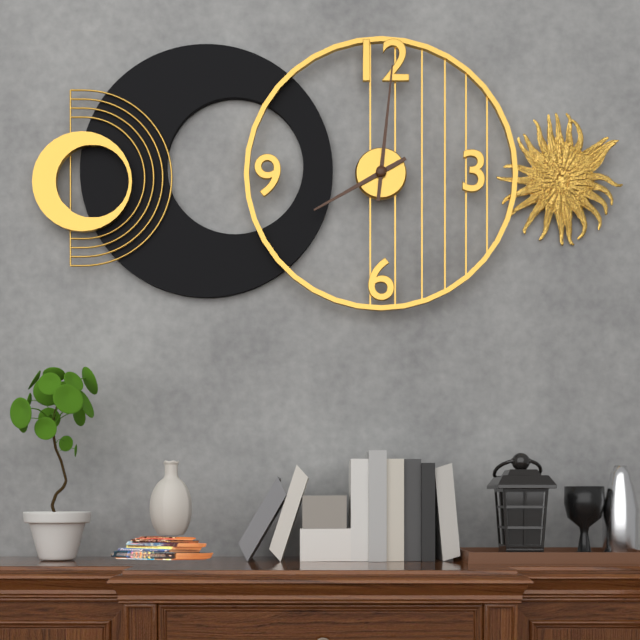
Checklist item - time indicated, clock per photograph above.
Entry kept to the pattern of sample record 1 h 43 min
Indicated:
8 h 01 min
